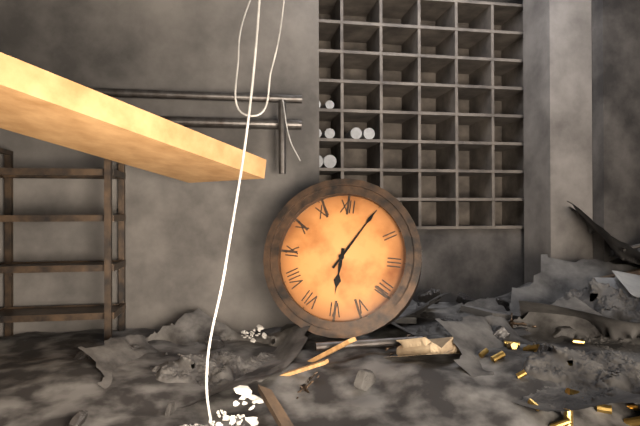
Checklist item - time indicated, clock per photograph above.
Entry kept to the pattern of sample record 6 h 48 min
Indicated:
6 h 05 min
